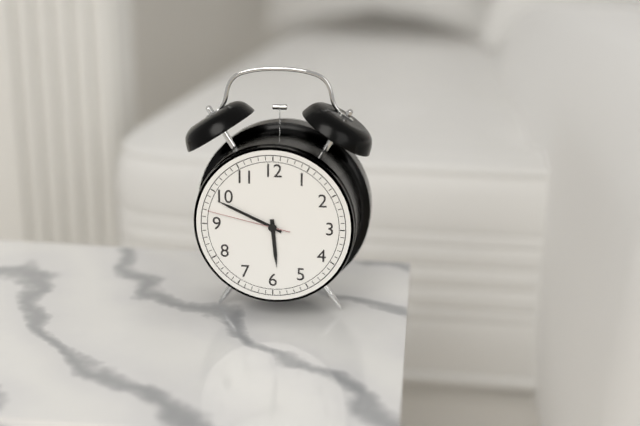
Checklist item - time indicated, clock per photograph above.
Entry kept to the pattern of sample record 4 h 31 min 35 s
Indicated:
5 h 49 min 47 s
